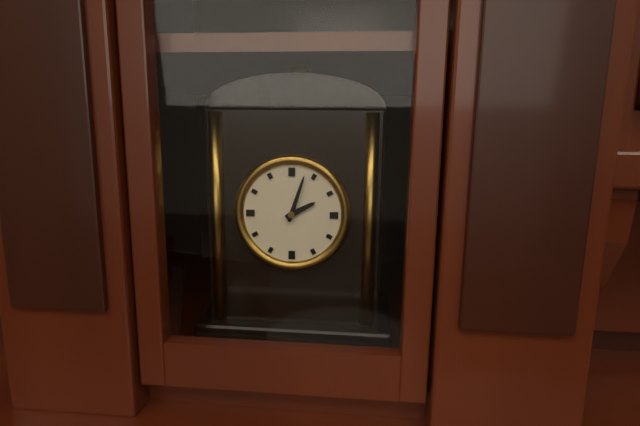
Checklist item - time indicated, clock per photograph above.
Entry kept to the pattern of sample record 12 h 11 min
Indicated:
2 h 03 min
